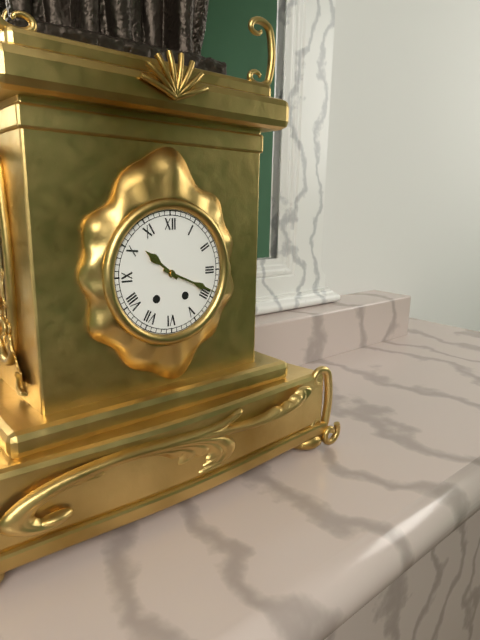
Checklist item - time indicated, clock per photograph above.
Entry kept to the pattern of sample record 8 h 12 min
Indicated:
10 h 19 min
